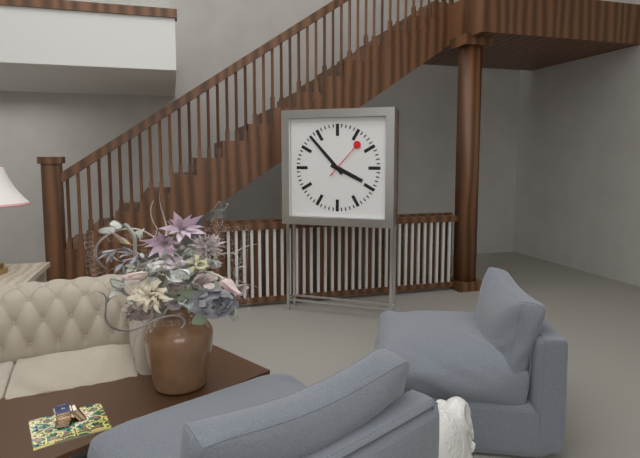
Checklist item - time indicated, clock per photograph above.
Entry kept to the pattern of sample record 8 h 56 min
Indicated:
3 h 53 min
